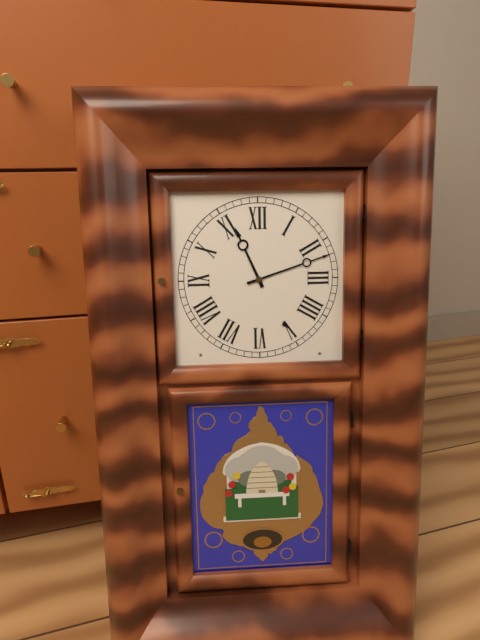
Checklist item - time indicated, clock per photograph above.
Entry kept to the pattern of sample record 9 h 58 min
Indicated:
11 h 12 min
